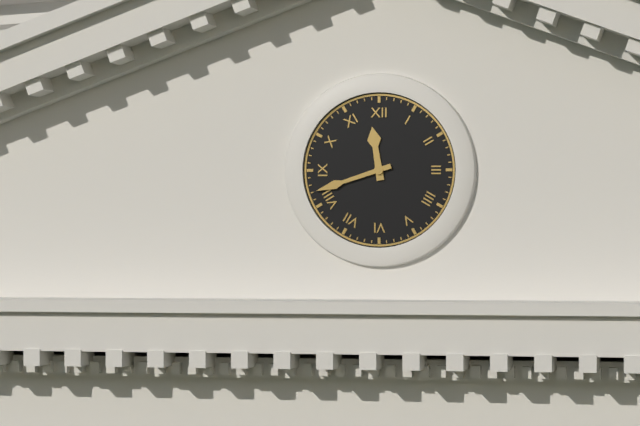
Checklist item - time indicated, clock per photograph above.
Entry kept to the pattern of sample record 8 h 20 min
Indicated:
11 h 42 min
